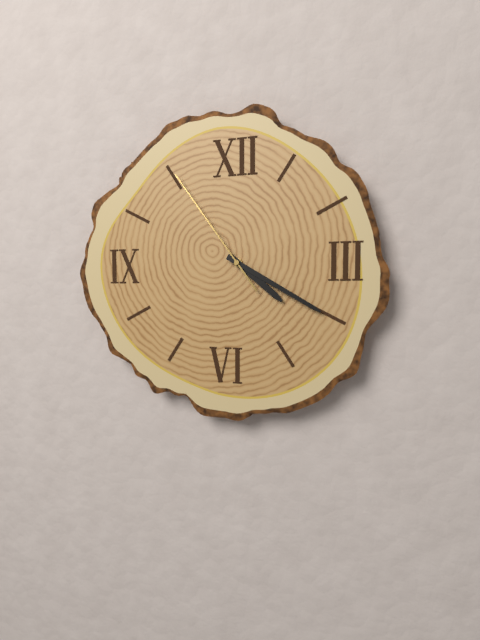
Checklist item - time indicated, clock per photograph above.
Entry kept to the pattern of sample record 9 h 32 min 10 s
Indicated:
4 h 20 min 54 s
